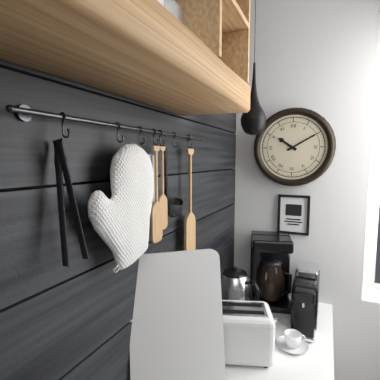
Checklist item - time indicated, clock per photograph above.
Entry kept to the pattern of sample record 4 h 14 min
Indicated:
10 h 10 min
